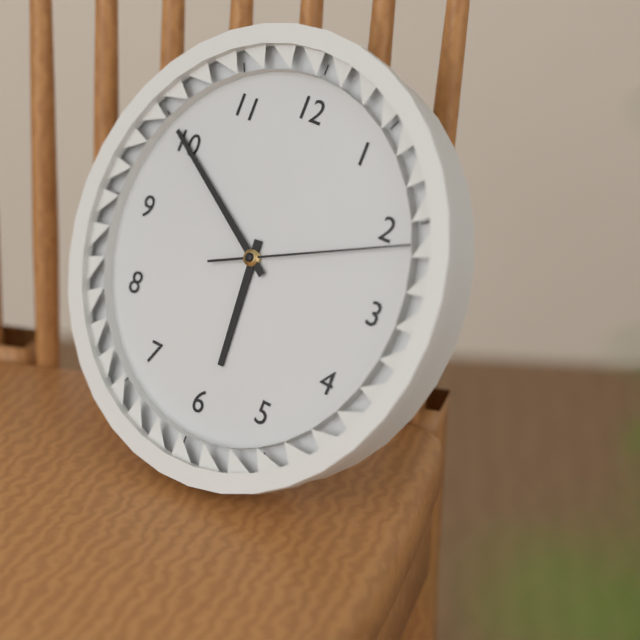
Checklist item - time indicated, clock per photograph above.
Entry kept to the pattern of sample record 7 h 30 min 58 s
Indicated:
5 h 50 min 11 s
